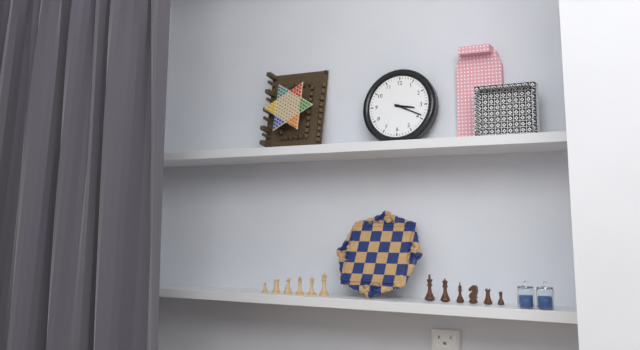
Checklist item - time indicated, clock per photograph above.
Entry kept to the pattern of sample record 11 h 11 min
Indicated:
3 h 19 min
